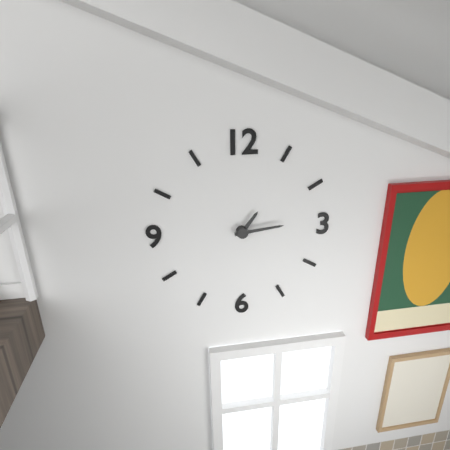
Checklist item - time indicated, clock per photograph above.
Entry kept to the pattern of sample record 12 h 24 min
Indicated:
1 h 14 min
